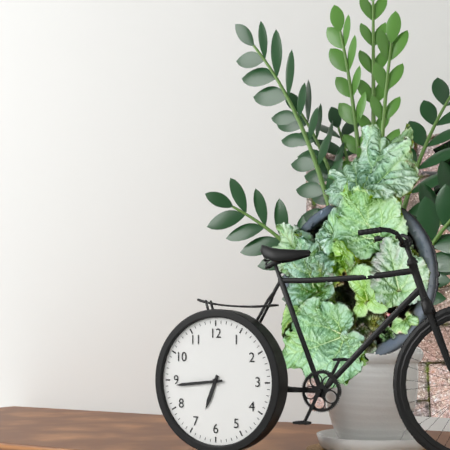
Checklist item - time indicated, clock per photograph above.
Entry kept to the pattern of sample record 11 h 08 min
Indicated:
6 h 44 min
